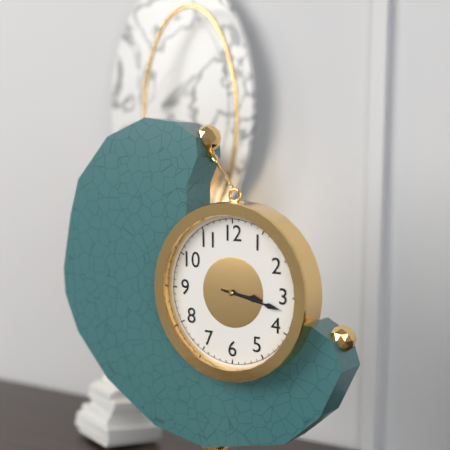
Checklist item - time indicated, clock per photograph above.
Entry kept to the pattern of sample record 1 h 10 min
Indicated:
3 h 17 min
